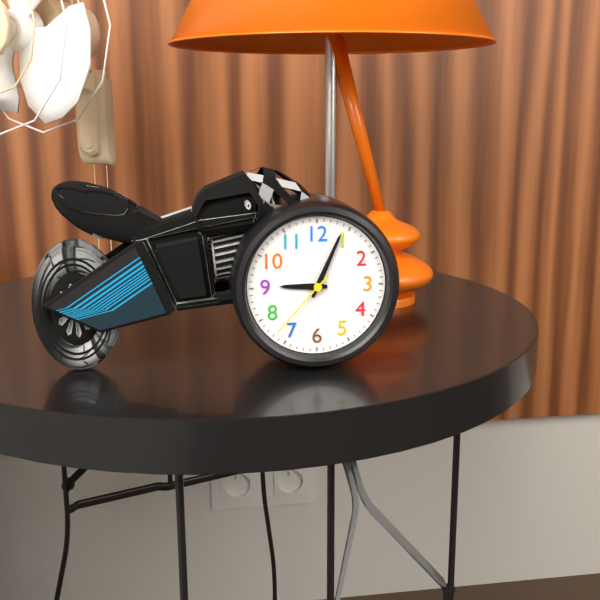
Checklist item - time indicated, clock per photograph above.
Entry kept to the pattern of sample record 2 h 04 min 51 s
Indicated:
9 h 04 min 37 s
